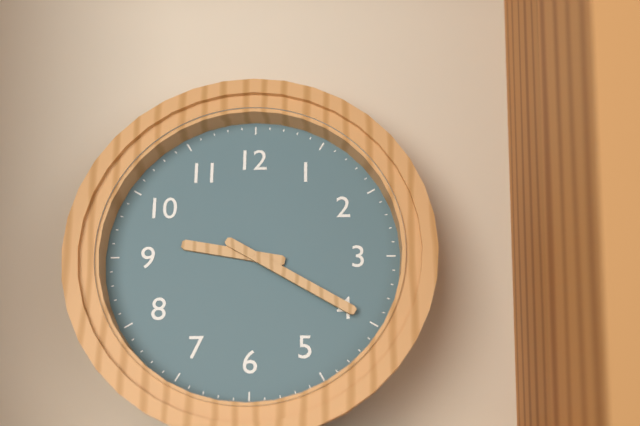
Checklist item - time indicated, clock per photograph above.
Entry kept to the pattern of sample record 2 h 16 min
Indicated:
9 h 20 min
